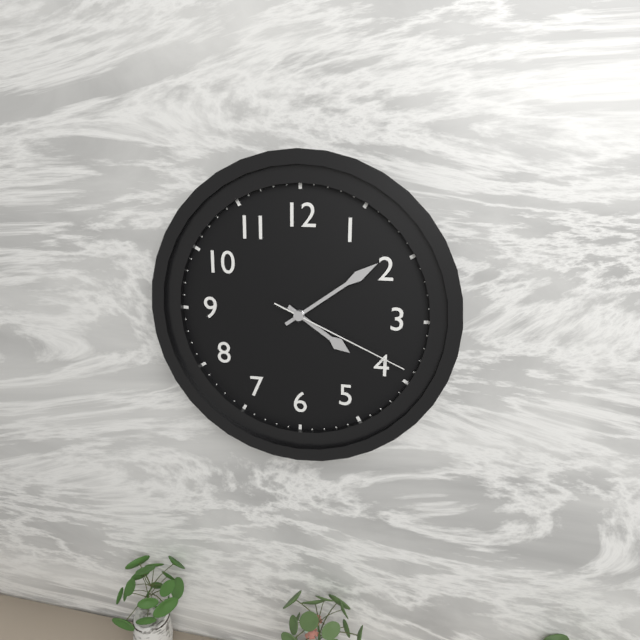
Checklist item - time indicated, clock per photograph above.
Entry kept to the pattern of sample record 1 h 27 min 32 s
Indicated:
4 h 09 min 19 s
